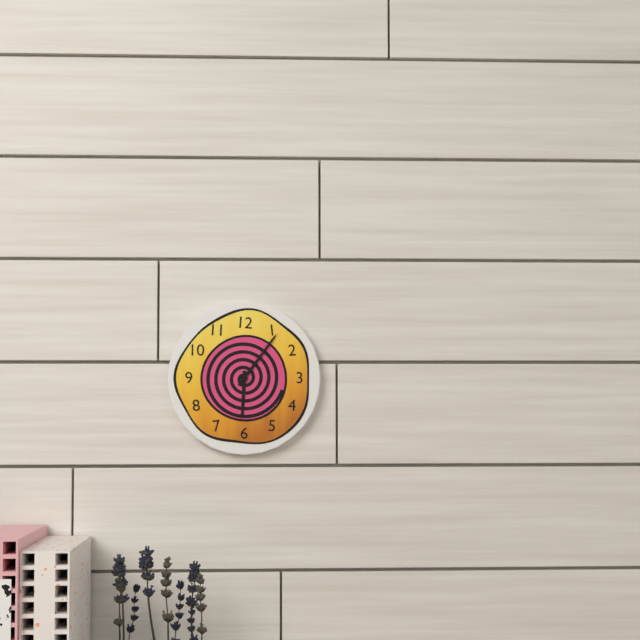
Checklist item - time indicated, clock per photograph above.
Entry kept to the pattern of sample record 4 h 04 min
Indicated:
6 h 06 min
